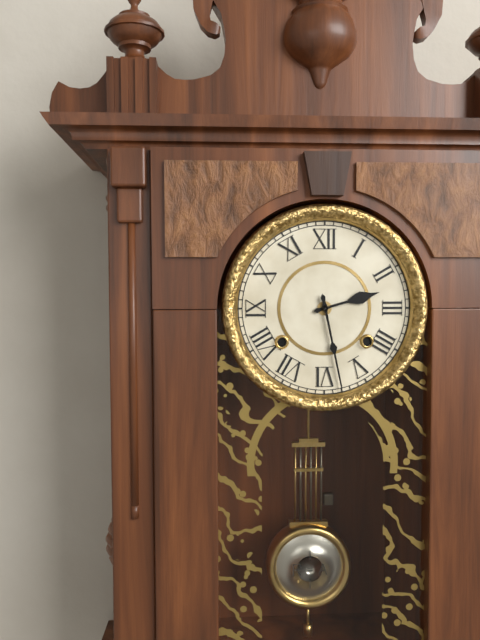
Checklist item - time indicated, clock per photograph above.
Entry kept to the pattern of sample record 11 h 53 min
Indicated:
2 h 28 min
